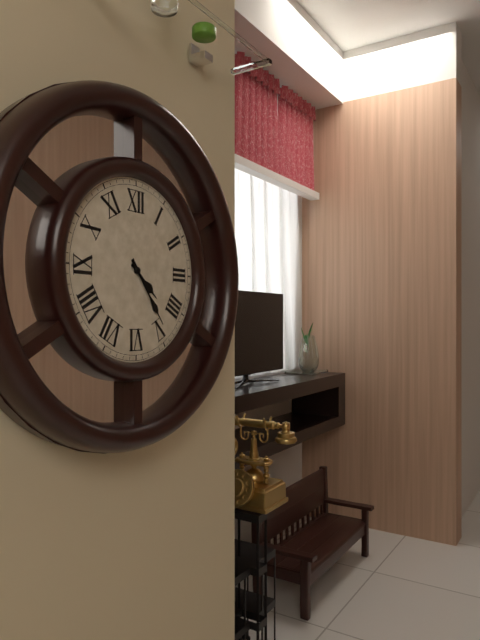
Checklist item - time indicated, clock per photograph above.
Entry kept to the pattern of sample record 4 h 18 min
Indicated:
4 h 24 min
